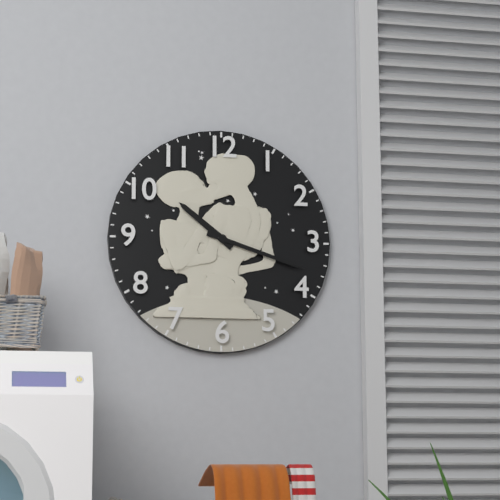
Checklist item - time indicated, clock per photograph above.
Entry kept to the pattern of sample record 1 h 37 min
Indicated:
10 h 18 min
